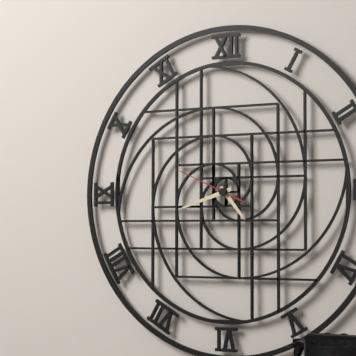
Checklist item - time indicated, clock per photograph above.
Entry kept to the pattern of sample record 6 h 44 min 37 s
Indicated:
4 h 42 min 49 s
